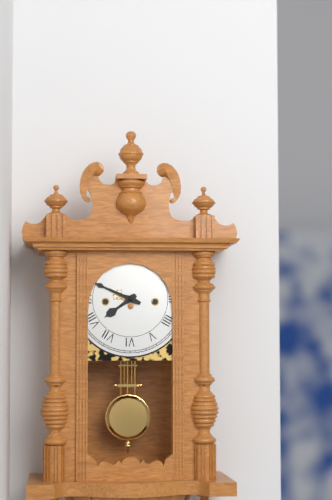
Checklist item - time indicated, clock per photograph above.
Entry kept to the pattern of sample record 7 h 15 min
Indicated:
7 h 49 min
